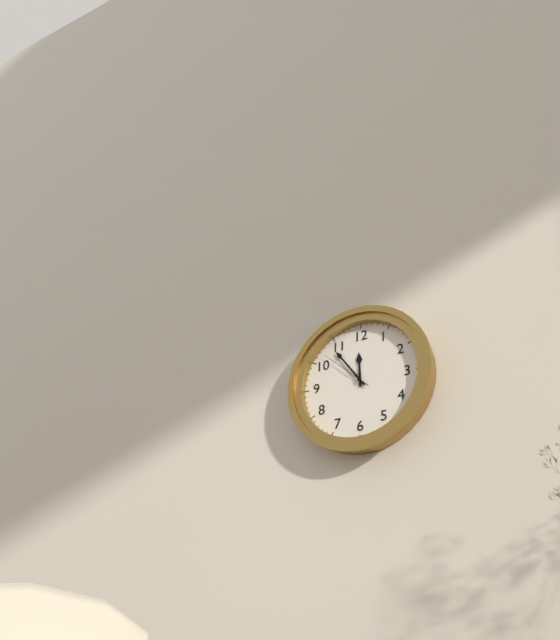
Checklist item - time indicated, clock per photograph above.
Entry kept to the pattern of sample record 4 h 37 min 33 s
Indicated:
11 h 54 min 52 s
